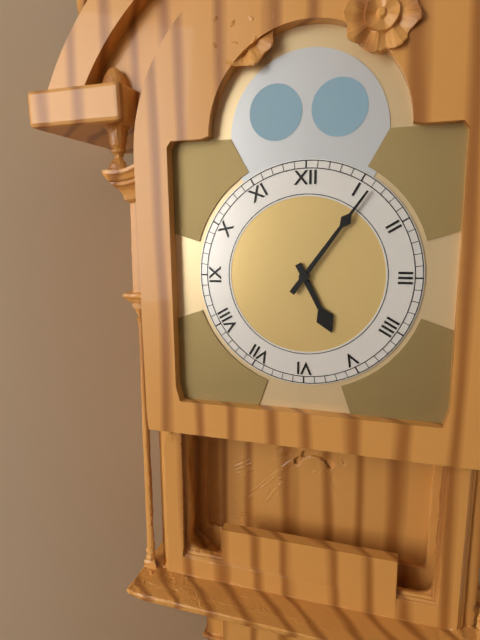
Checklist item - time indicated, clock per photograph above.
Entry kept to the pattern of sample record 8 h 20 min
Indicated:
5 h 06 min
